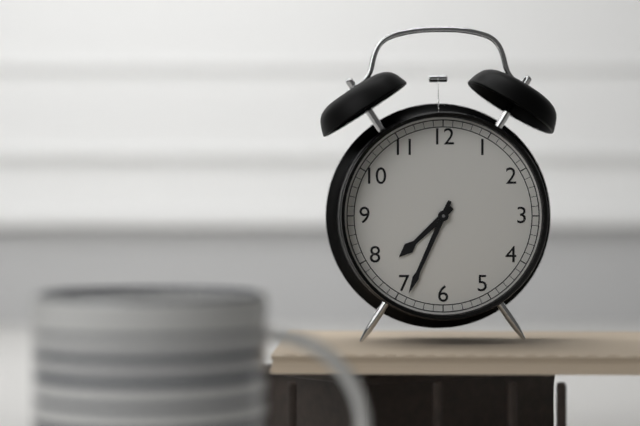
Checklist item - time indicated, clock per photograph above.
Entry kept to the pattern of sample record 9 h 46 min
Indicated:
7 h 34 min
